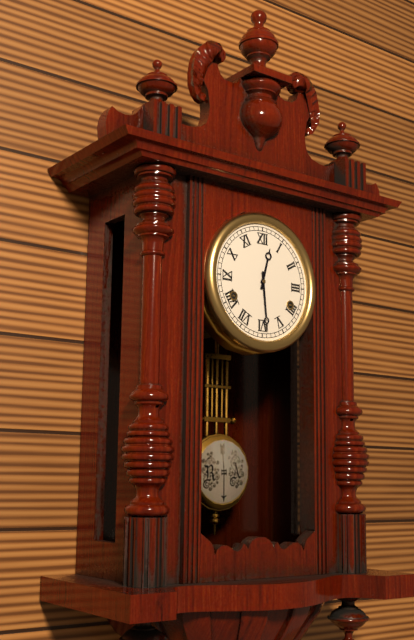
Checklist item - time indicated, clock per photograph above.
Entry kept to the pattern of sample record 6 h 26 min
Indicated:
12 h 29 min
